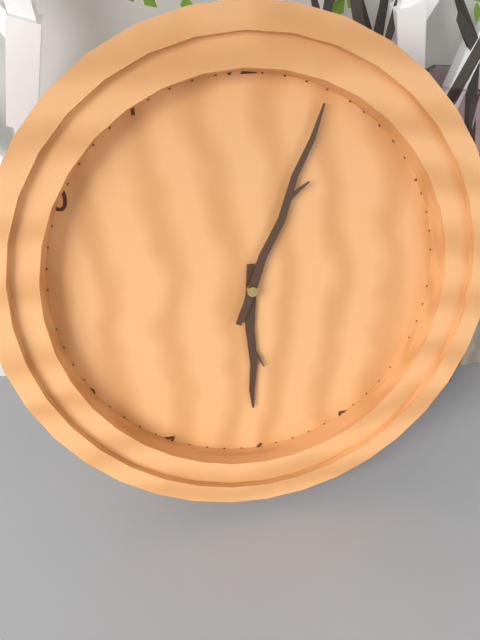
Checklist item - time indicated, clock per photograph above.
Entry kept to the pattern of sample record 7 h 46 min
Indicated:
6 h 04 min
